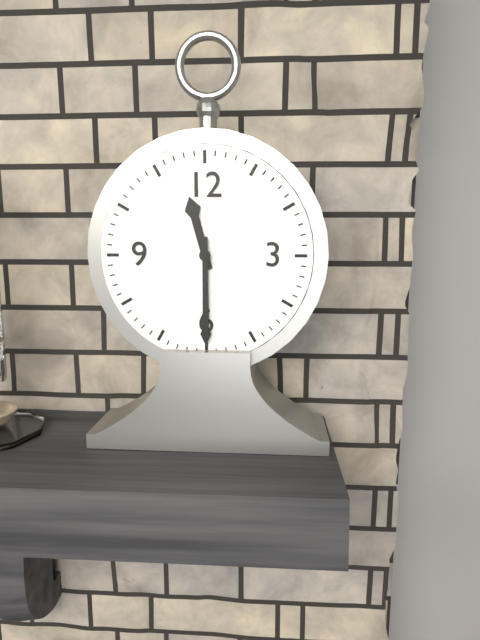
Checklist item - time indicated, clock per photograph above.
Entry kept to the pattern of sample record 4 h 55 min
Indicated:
11 h 30 min
